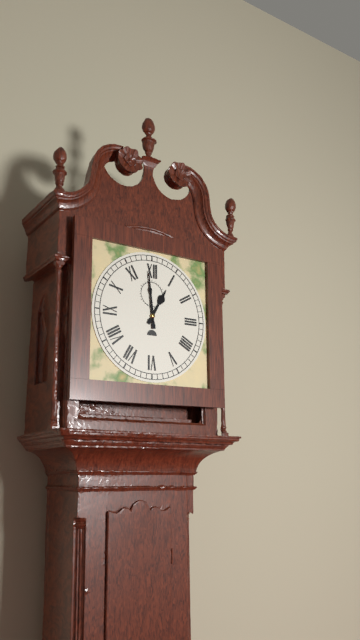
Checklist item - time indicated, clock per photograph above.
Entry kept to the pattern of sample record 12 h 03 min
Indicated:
12 h 59 min
